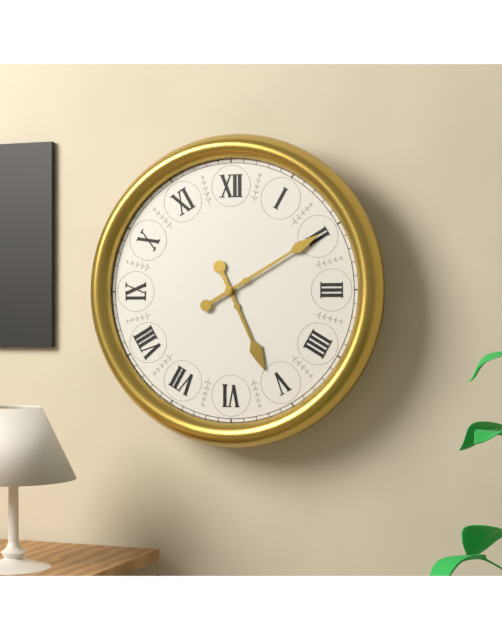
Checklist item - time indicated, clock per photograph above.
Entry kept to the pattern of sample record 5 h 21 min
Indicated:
5 h 10 min
